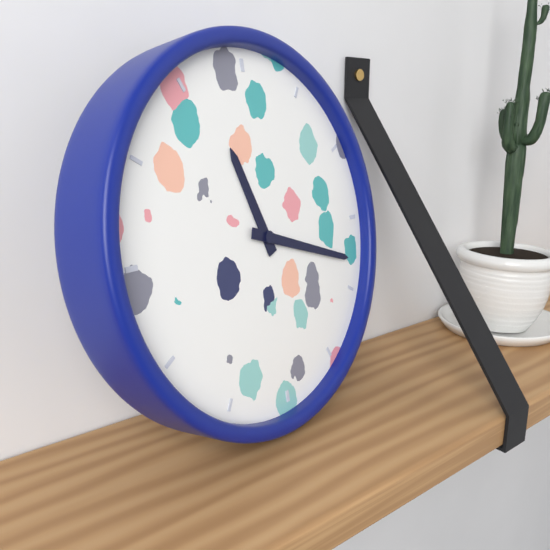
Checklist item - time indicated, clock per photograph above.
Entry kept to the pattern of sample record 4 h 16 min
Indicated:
11 h 18 min
